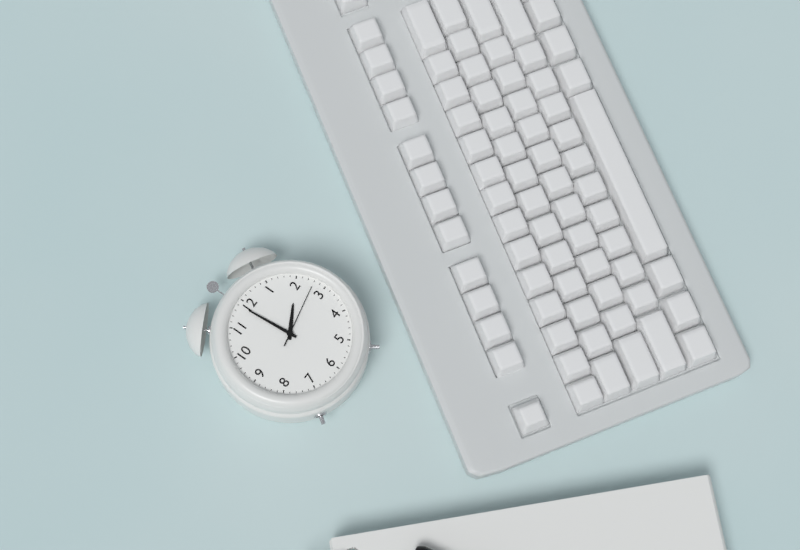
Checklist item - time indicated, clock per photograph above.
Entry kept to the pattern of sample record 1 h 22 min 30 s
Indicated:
1 h 59 min 13 s
